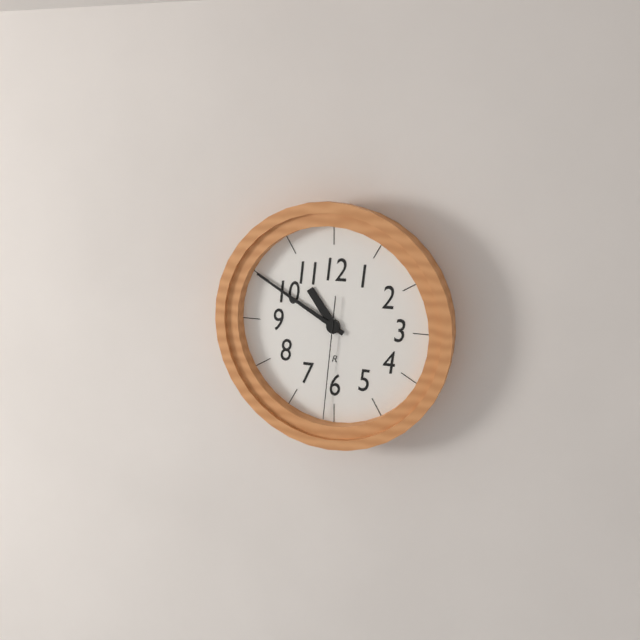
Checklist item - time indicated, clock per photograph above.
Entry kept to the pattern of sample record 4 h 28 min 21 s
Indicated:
10 h 50 min 31 s
